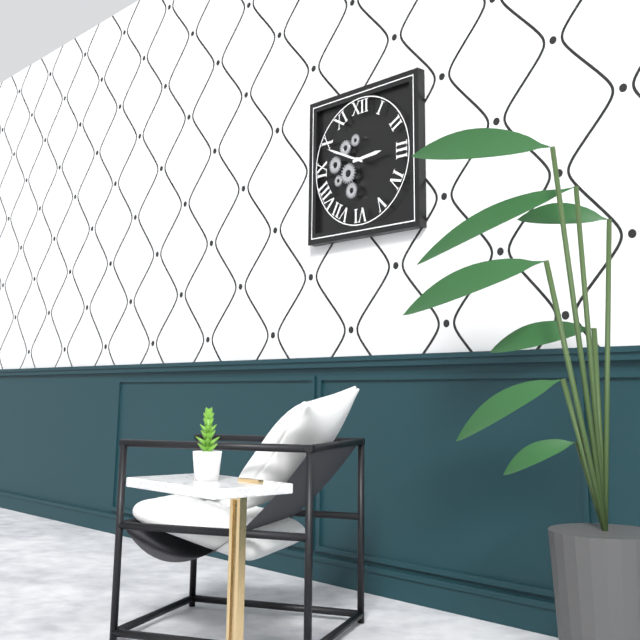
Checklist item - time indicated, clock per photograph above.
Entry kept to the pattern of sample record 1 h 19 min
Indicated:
2 h 49 min
